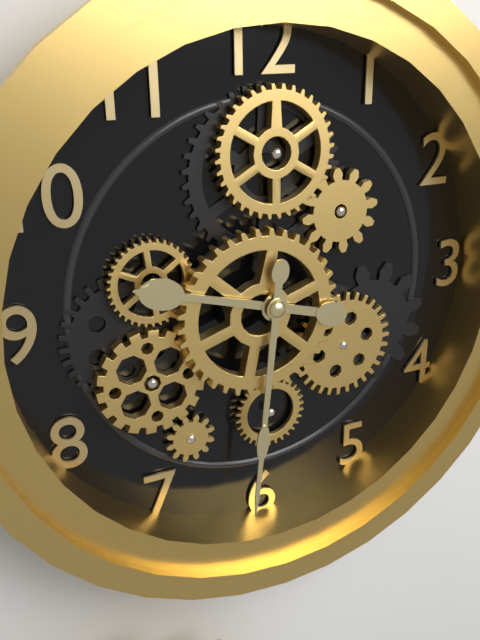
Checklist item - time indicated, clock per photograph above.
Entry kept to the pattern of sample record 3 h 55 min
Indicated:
9 h 31 min
